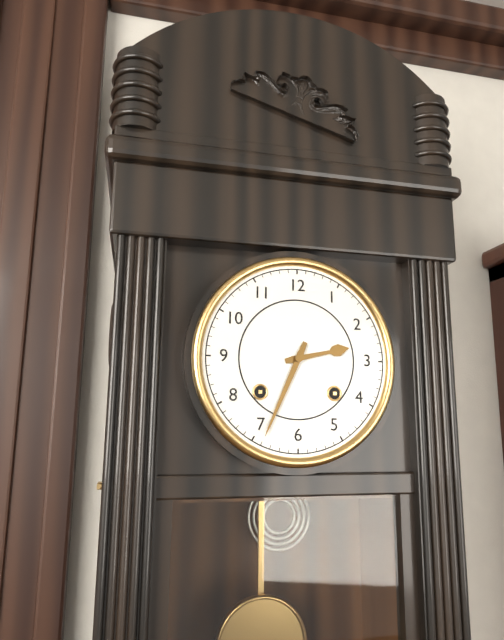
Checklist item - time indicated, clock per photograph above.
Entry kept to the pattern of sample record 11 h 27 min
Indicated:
2 h 34 min
